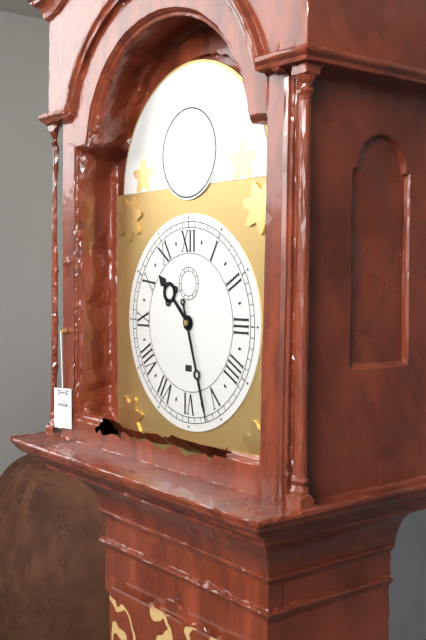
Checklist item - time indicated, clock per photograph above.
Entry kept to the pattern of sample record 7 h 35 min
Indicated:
10 h 27 min
